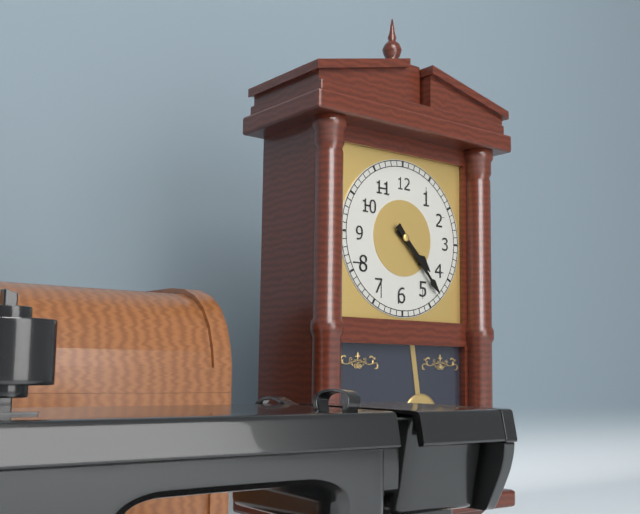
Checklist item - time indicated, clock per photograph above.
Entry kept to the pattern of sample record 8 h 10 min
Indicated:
4 h 23 min
